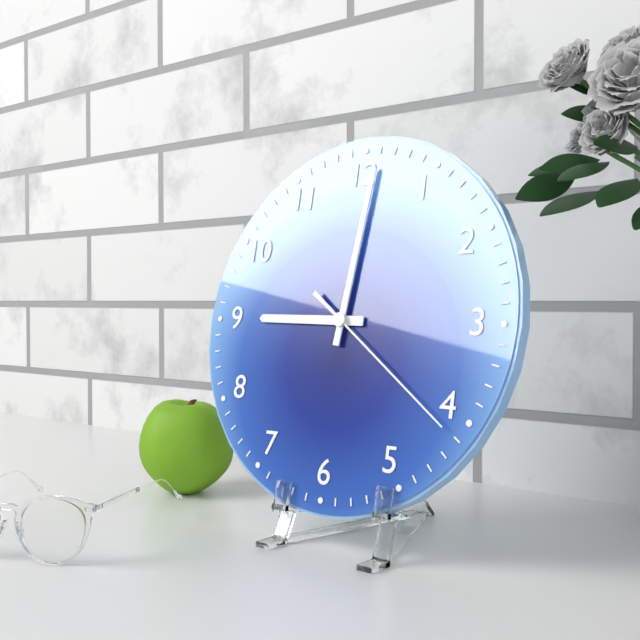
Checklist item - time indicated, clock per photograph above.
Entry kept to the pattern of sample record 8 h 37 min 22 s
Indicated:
9 h 01 min 21 s
